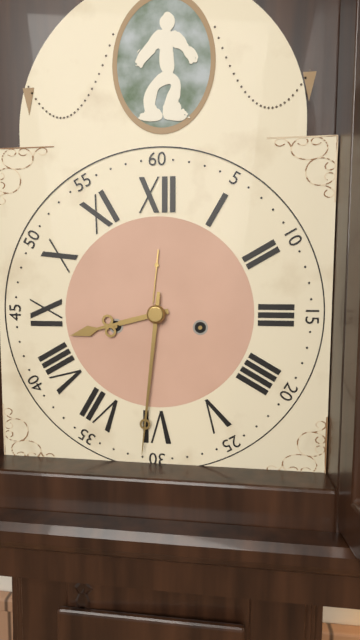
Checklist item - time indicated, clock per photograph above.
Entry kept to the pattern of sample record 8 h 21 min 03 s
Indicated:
8 h 31 min 31 s
